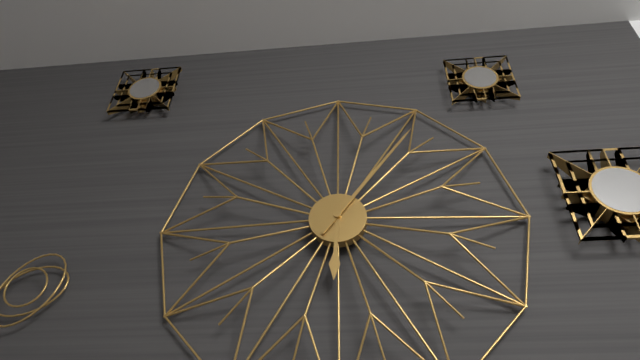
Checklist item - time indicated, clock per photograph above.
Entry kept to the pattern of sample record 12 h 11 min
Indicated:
6 h 06 min
